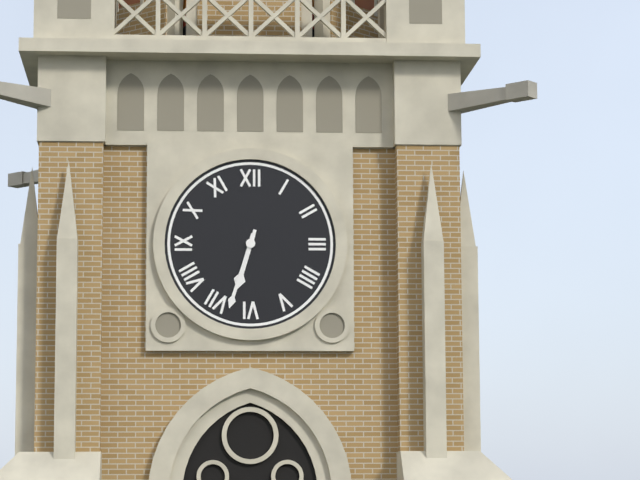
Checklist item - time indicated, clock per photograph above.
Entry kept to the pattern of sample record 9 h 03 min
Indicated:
6 h 33 min
